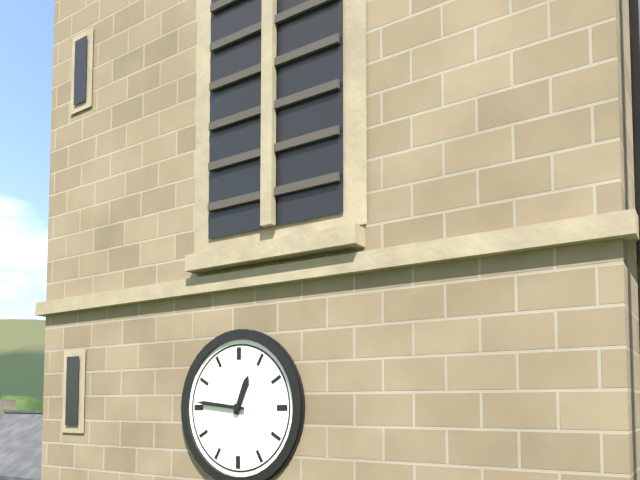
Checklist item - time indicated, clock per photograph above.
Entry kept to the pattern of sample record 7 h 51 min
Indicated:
12 h 46 min
